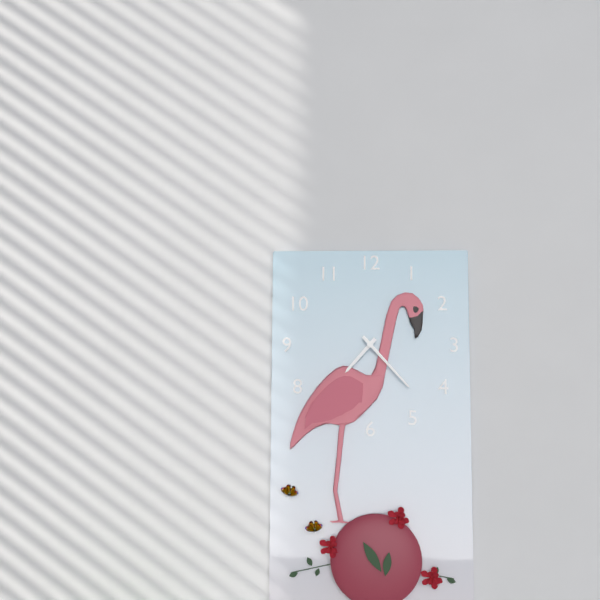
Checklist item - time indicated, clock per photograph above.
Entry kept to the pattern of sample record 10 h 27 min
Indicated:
7 h 23 min
